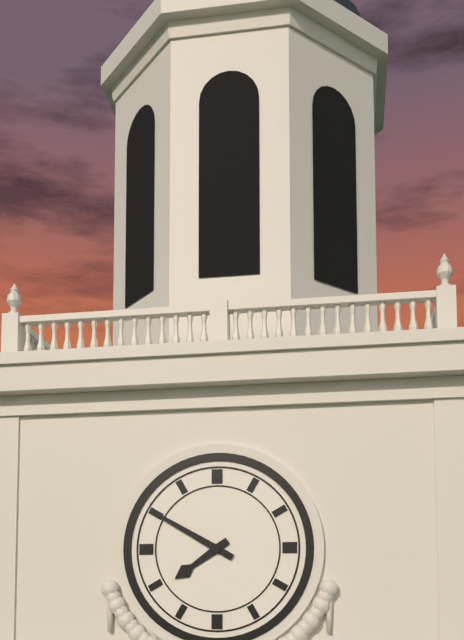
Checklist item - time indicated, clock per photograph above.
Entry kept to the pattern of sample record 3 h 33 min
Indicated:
7 h 50 min
